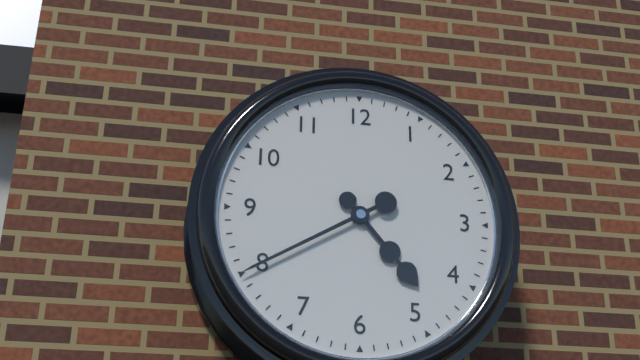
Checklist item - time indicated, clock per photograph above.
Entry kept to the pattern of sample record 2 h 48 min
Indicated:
4 h 40 min
